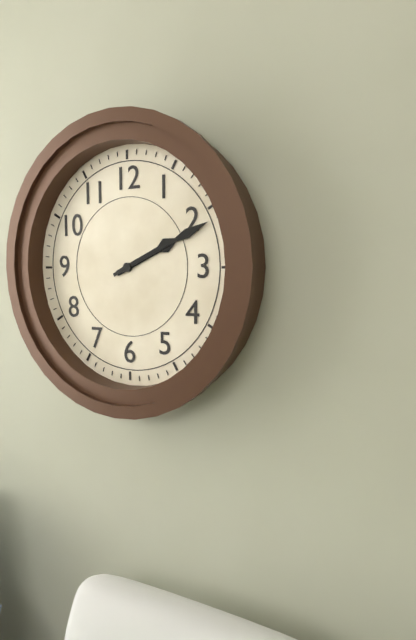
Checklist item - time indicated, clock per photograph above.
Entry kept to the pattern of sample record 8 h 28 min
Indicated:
2 h 11 min
